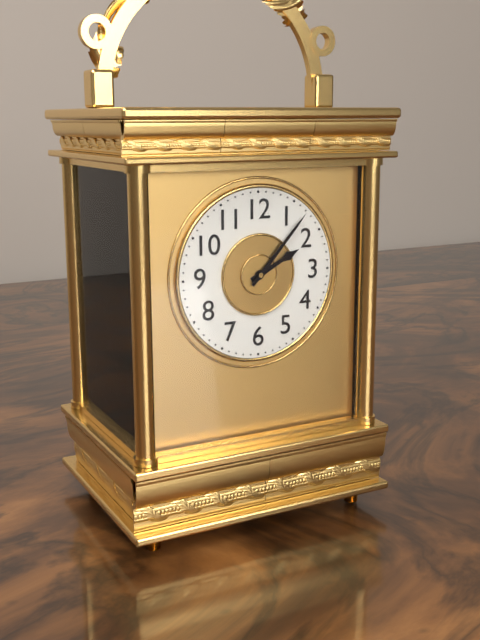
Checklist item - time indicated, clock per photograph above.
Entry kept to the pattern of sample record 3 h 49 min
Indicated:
2 h 07 min
